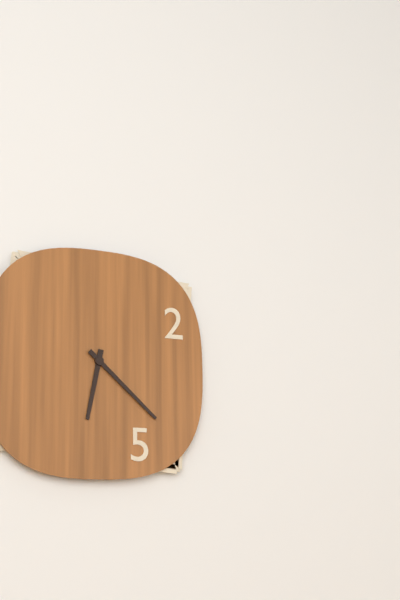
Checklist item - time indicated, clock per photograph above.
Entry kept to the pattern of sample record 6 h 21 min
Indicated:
6 h 22 min
